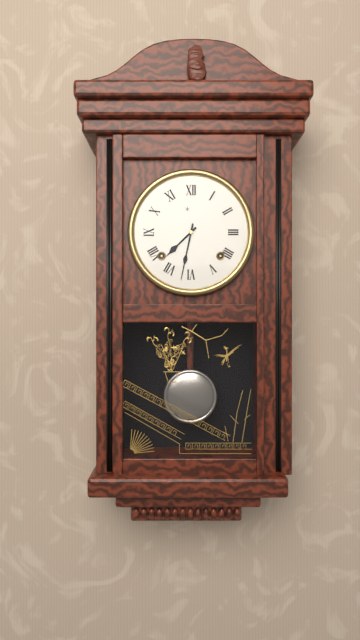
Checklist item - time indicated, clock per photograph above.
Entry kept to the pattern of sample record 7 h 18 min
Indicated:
7 h 32 min
